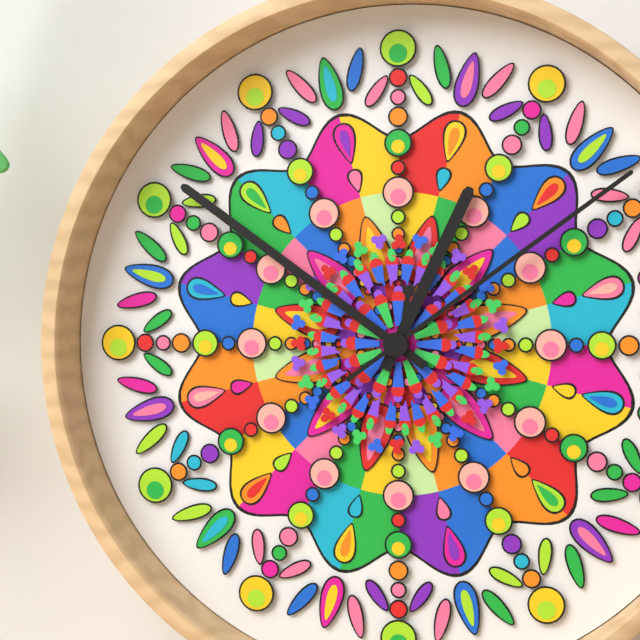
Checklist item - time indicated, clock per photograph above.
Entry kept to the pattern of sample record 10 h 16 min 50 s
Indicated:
12 h 51 min 09 s
